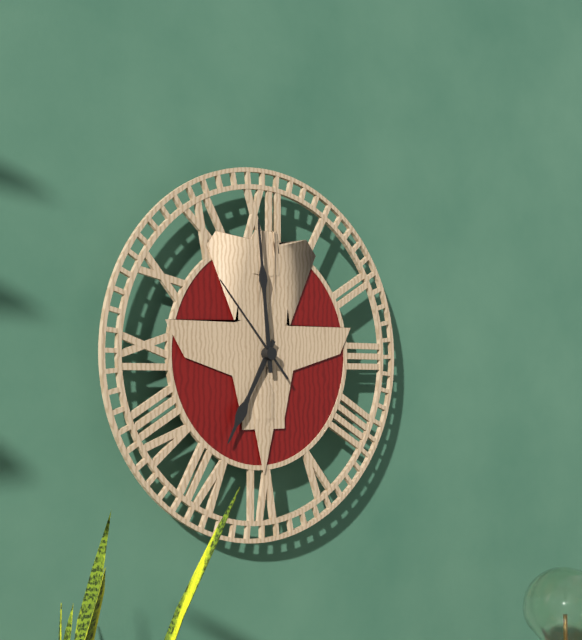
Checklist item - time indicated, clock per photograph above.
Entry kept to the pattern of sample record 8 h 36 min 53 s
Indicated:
6 h 59 min 53 s
